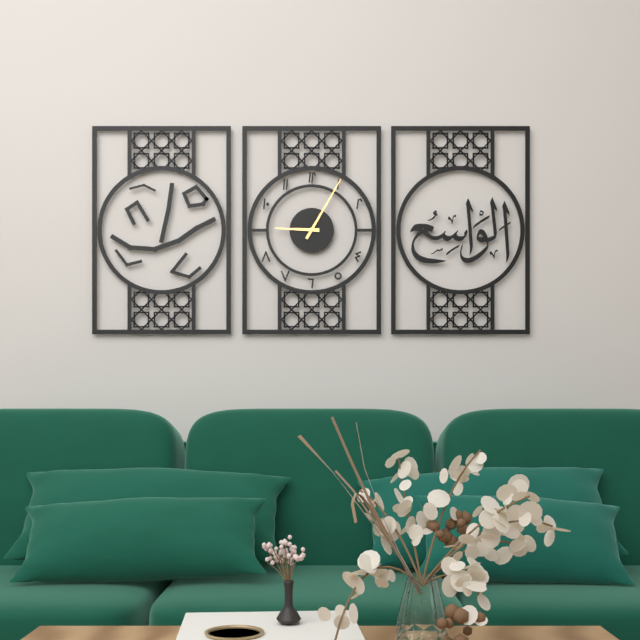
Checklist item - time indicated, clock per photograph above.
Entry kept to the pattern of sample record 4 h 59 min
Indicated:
9 h 05 min
